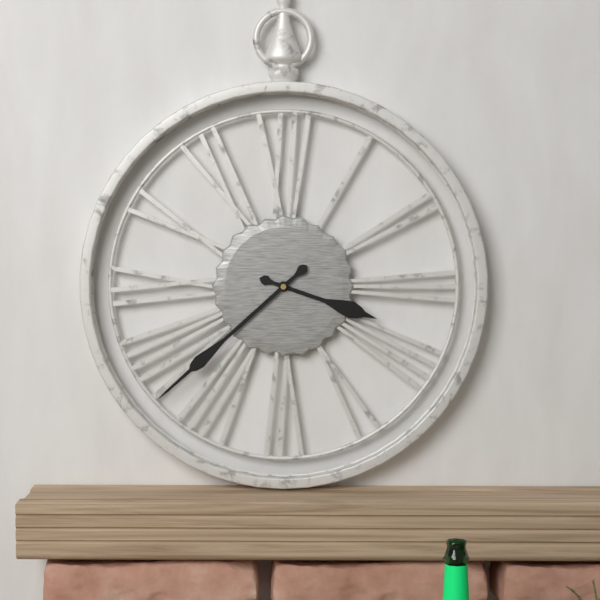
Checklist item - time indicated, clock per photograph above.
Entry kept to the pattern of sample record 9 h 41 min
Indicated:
3 h 38 min
